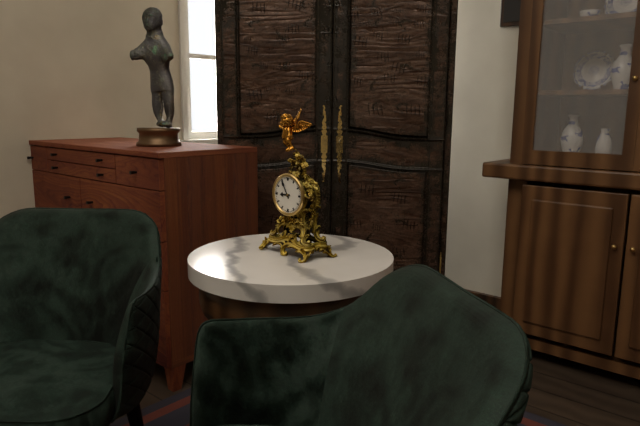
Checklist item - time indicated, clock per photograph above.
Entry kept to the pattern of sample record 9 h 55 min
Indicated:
8 h 55 min
